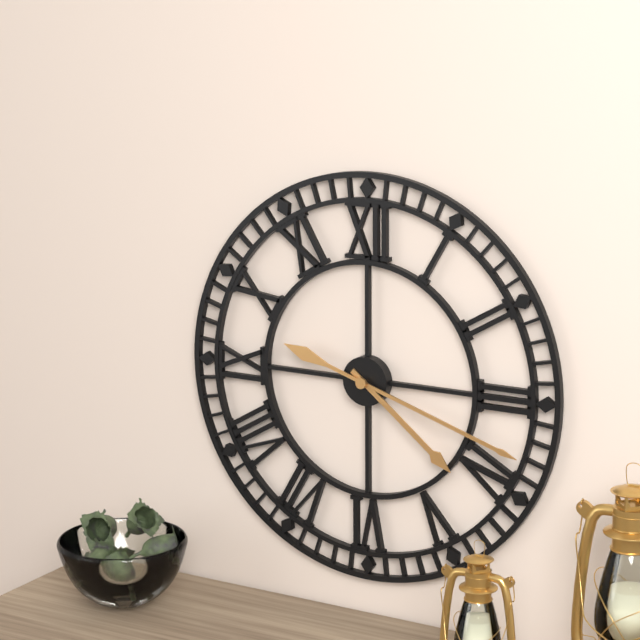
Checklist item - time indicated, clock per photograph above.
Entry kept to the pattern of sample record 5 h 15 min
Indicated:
4 h 18 min
